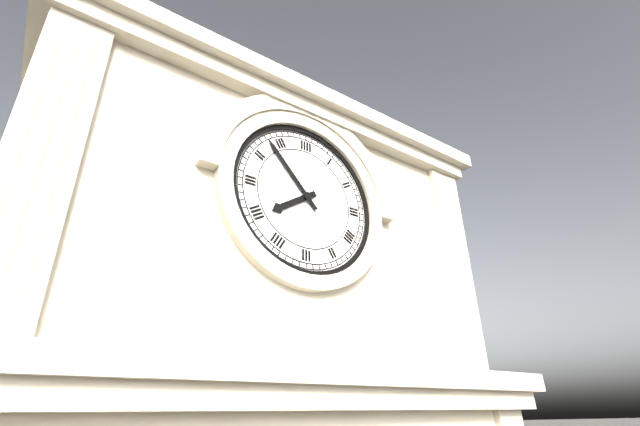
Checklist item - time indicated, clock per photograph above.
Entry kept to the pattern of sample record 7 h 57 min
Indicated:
7 h 53 min
